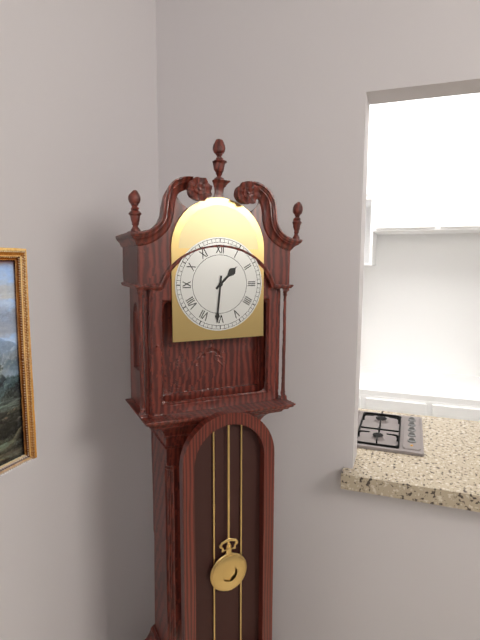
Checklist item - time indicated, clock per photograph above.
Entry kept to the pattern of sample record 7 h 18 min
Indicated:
1 h 31 min
